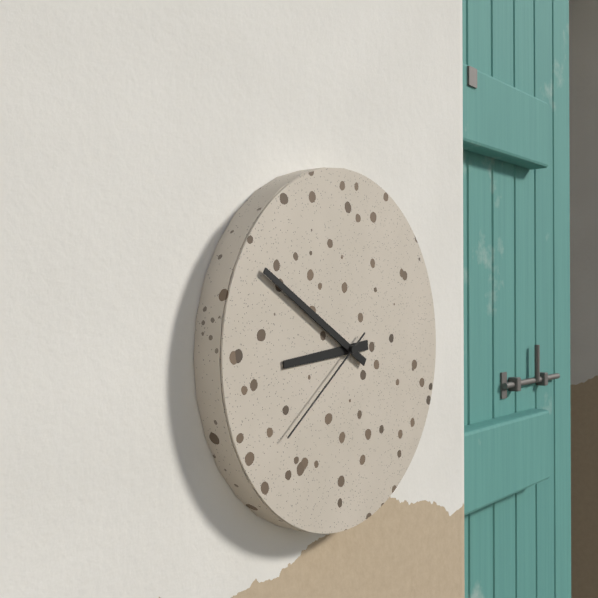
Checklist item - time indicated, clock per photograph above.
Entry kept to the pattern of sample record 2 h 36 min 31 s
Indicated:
8 h 50 min 39 s
